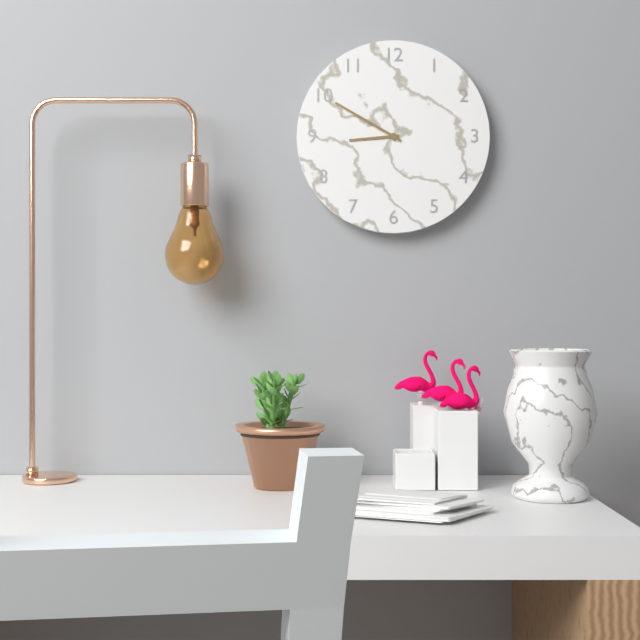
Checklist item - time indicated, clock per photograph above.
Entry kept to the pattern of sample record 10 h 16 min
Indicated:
8 h 50 min
